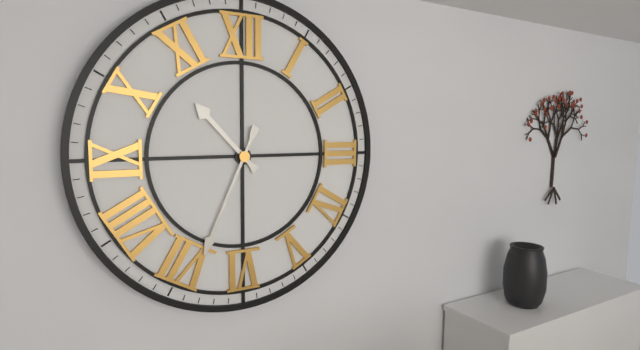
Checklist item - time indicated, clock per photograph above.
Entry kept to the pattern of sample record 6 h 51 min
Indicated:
10 h 34 min
